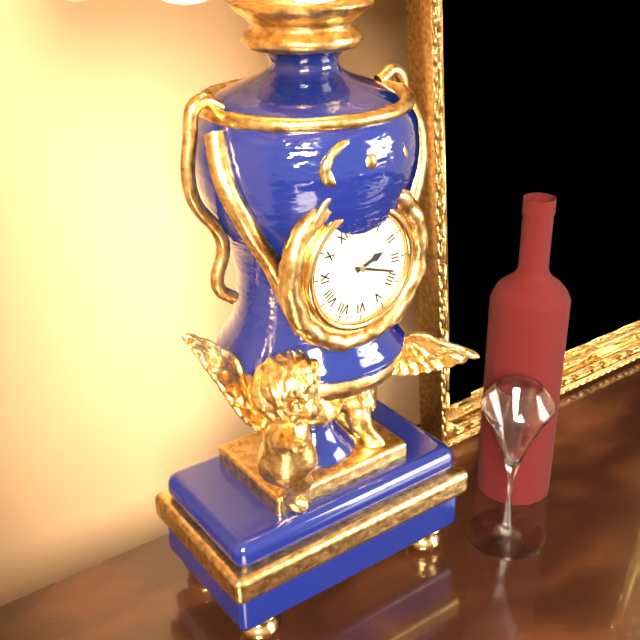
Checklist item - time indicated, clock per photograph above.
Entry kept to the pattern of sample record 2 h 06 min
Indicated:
2 h 18 min
